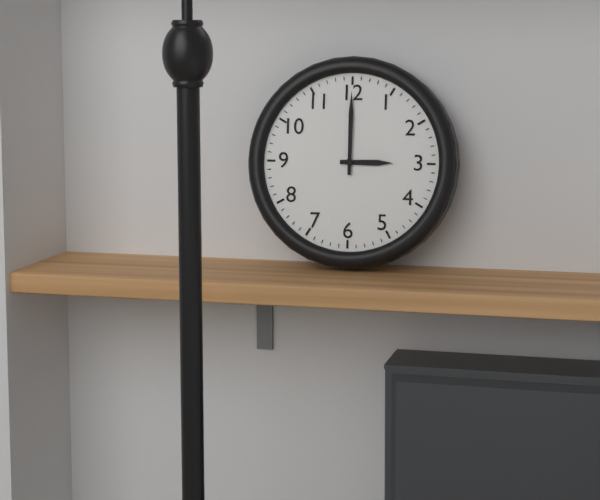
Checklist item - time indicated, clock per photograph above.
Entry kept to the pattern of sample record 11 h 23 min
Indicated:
3 h 00 min
